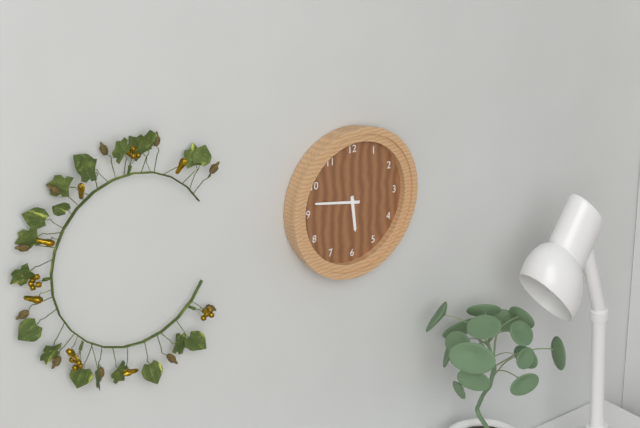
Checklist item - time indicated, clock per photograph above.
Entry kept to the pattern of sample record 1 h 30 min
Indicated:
5 h 47 min
